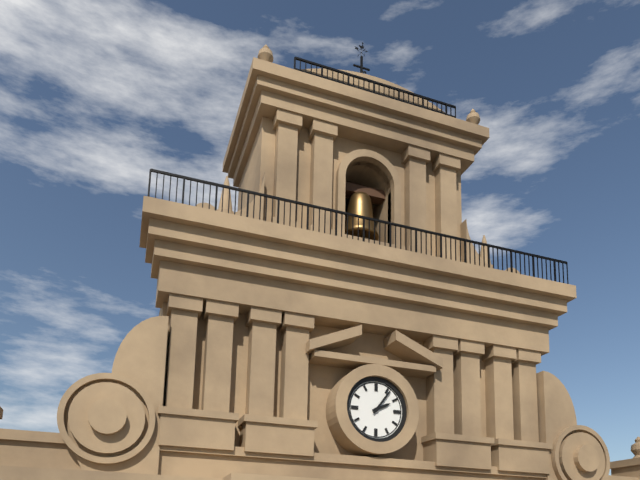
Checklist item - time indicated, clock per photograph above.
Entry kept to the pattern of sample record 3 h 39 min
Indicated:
2 h 06 min
